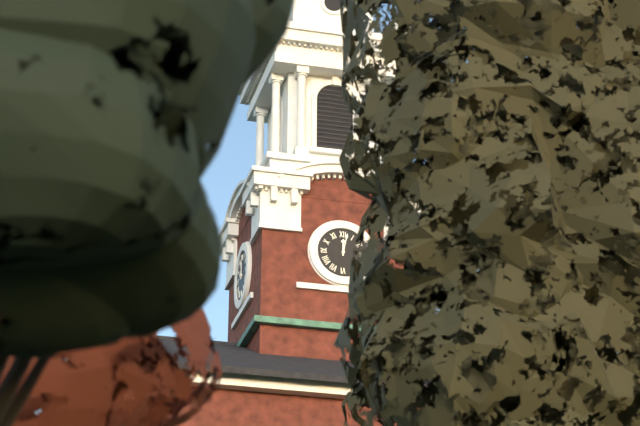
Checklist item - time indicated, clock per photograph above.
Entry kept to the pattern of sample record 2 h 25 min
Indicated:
12 h 02 min
